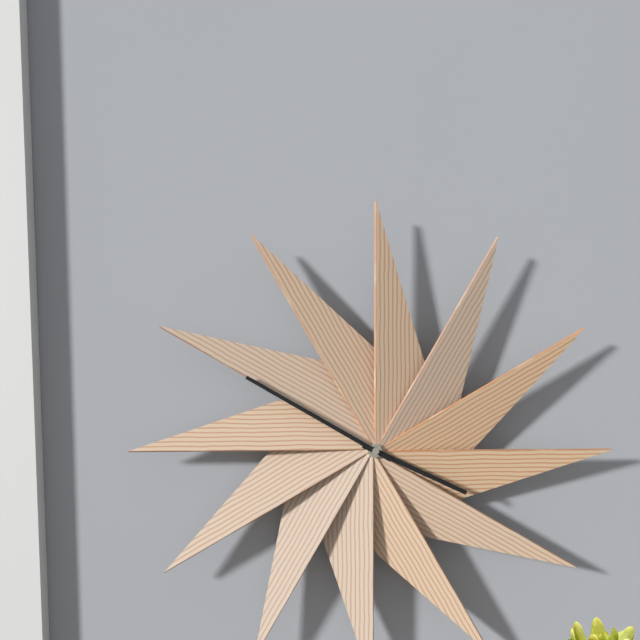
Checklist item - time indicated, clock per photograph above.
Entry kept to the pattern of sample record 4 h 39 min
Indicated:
3 h 50 min
